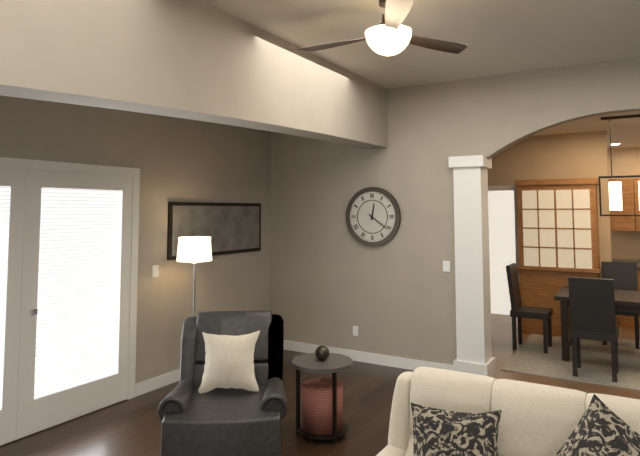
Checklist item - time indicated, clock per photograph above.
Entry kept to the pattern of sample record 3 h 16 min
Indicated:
12 h 21 min
